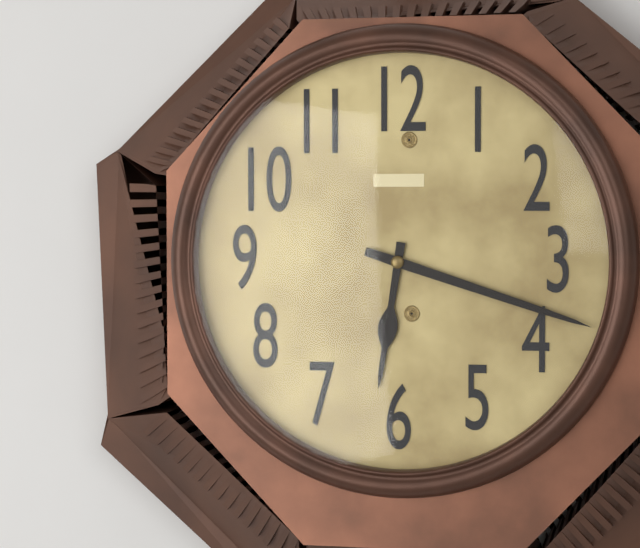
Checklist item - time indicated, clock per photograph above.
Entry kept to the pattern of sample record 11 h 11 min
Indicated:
6 h 18 min
